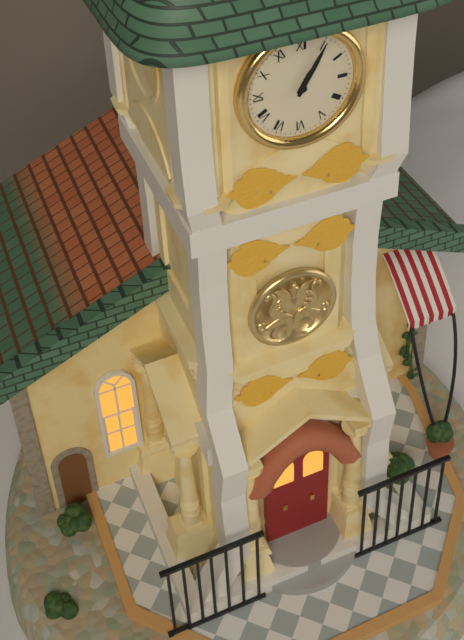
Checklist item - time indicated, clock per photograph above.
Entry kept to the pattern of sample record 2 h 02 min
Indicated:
1 h 05 min
